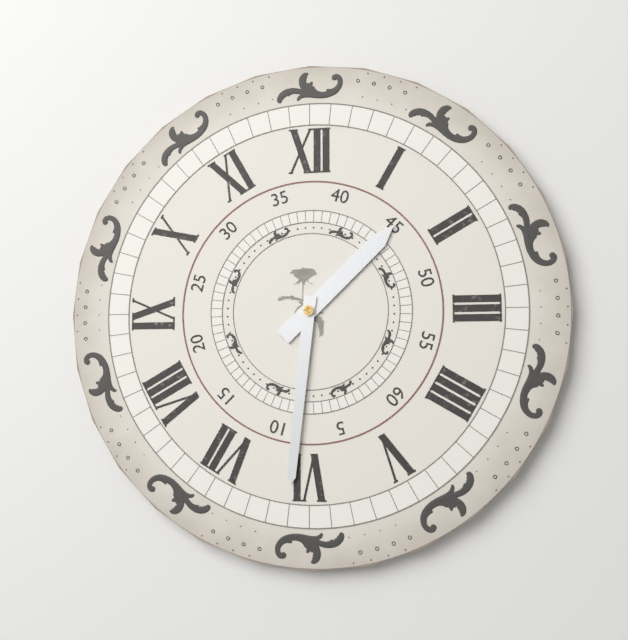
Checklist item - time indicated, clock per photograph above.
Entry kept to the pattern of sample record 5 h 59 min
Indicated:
1 h 31 min
